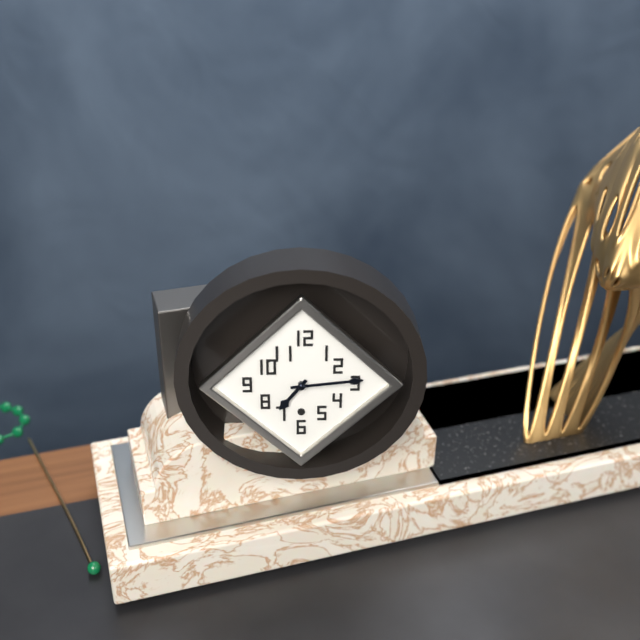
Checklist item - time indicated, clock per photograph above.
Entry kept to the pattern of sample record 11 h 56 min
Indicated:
7 h 14 min
